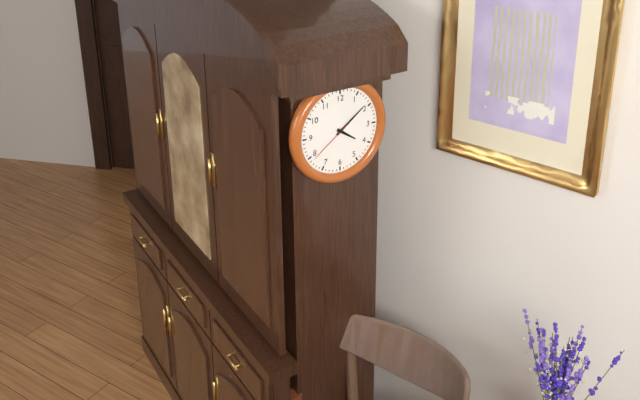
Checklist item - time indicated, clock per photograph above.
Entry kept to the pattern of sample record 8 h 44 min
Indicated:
4 h 09 min
